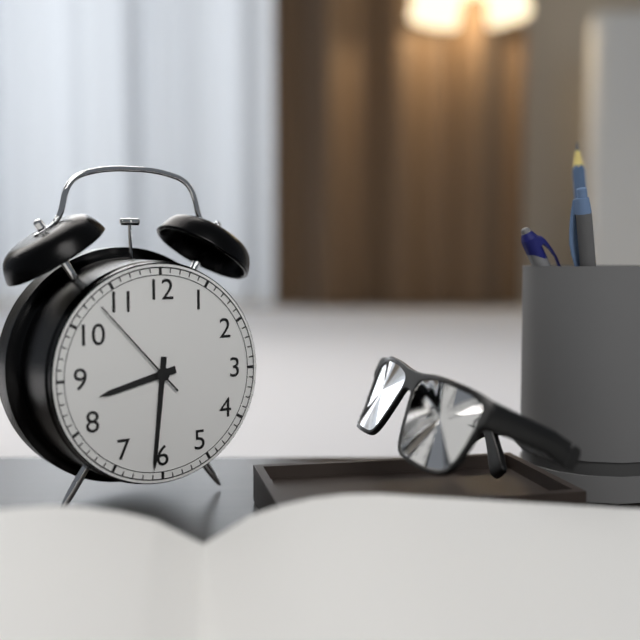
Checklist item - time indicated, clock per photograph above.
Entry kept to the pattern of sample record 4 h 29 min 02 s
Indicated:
8 h 31 min 53 s
